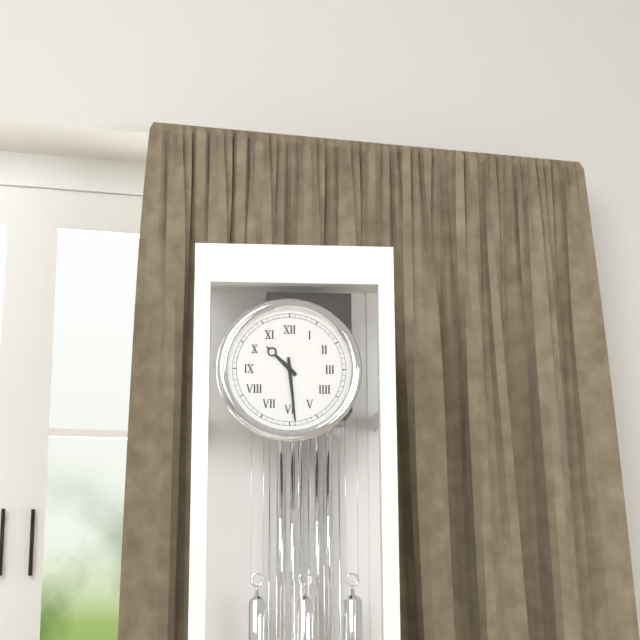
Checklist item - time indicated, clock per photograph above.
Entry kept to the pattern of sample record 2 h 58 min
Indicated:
10 h 29 min
